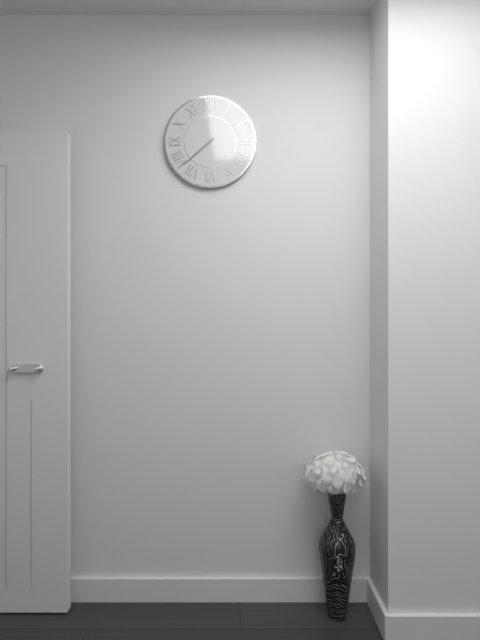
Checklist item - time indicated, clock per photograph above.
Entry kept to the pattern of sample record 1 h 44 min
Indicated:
7 h 38 min
